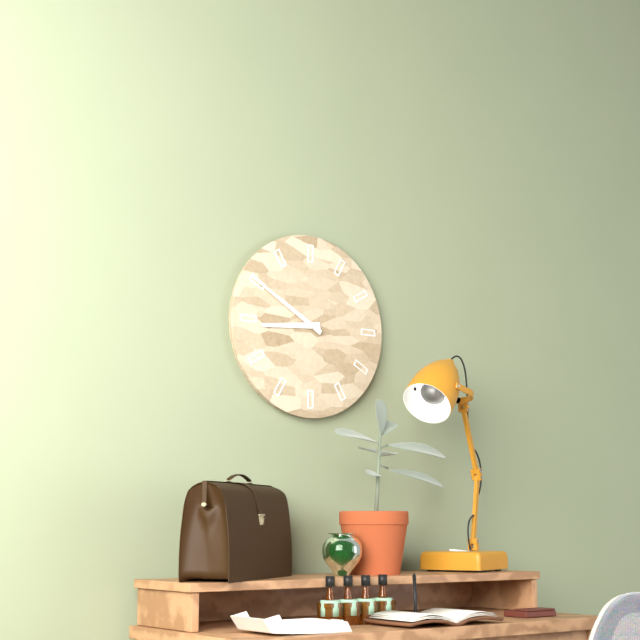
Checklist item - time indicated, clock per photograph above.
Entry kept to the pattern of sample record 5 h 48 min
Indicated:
8 h 50 min
